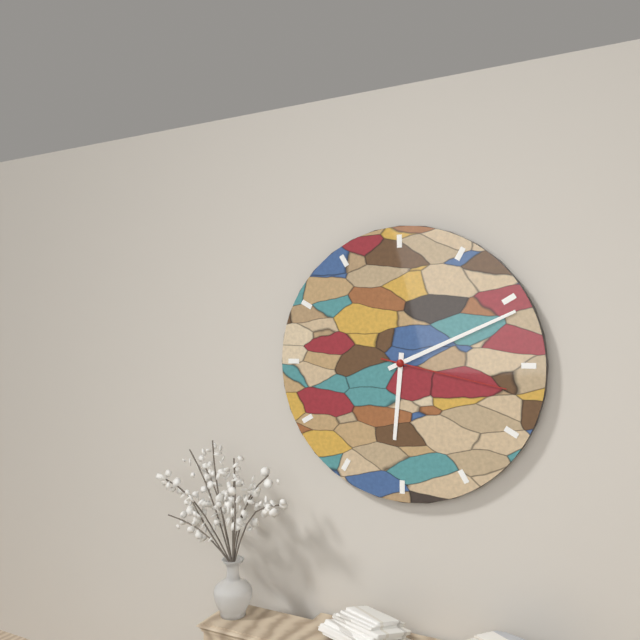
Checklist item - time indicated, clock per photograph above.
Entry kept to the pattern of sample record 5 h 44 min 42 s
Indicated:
6 h 11 min 17 s
